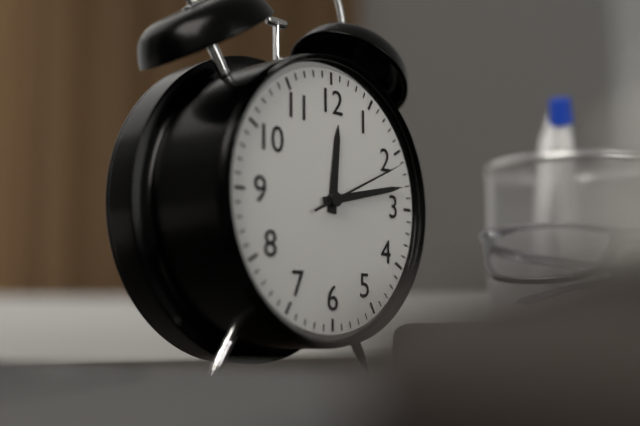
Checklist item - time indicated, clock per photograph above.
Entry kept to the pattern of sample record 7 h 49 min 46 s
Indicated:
12 h 13 min 11 s
